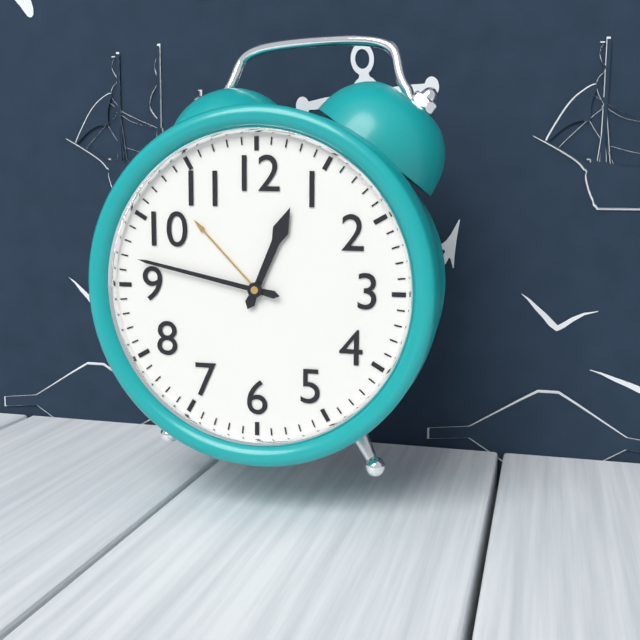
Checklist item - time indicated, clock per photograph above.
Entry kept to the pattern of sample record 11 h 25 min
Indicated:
12 h 47 min
